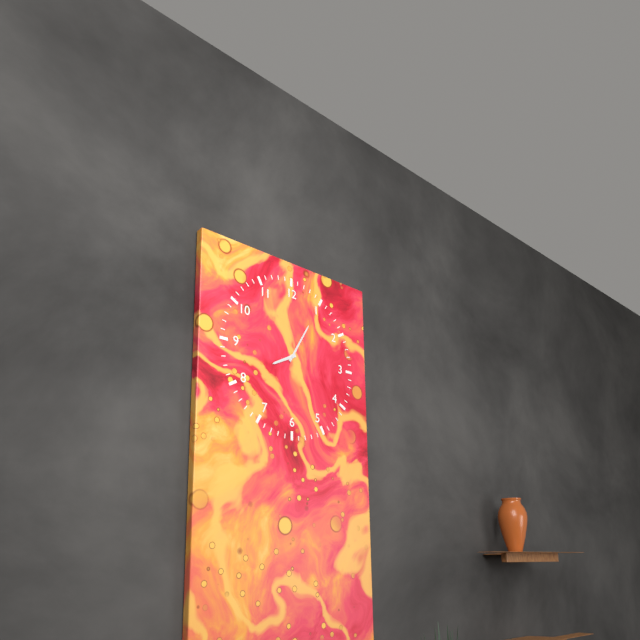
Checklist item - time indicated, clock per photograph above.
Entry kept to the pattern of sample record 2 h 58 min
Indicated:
8 h 05 min
